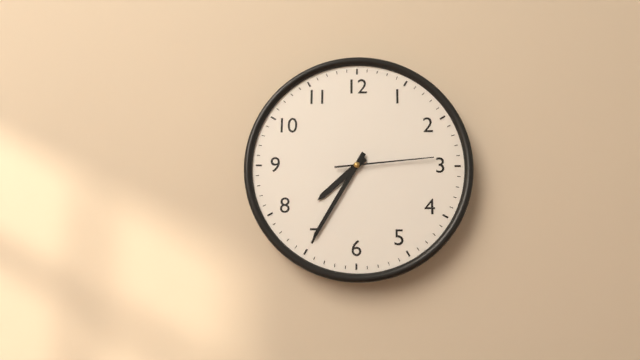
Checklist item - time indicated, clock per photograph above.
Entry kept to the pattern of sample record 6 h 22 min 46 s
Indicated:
7 h 35 min 14 s
